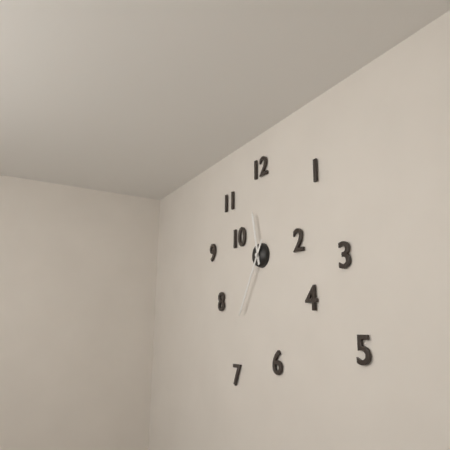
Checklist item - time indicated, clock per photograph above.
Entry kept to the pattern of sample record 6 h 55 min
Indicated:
11 h 35 min
